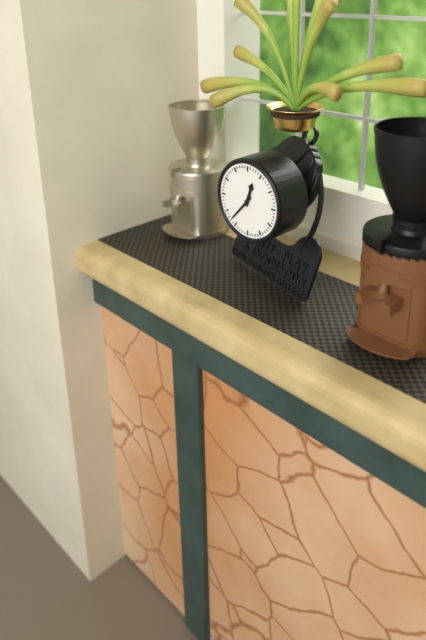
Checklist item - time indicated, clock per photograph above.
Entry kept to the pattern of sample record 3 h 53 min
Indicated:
12 h 37 min
